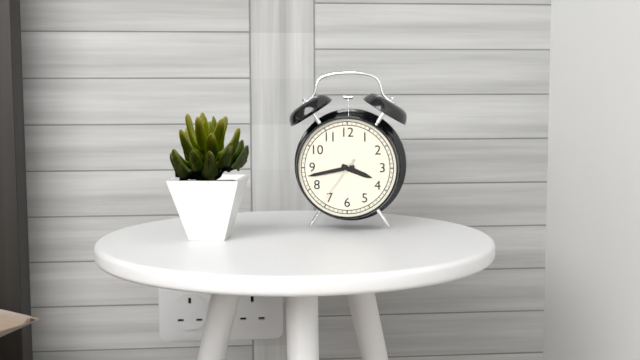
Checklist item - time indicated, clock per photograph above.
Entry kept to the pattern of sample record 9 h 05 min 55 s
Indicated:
3 h 43 min 36 s
